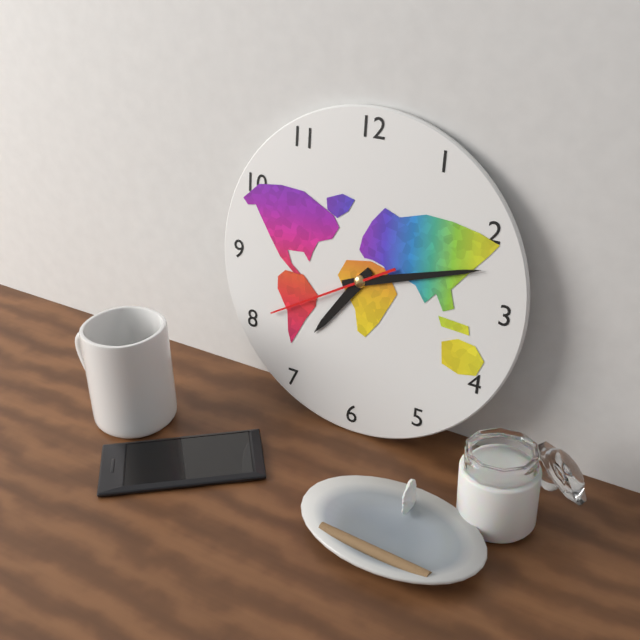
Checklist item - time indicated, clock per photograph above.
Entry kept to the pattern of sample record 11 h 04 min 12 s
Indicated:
7 h 12 min 40 s
